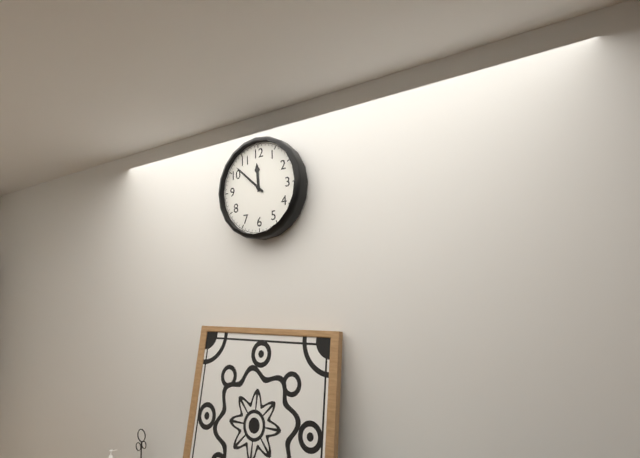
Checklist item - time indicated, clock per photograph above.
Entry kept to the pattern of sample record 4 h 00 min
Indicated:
11 h 52 min
